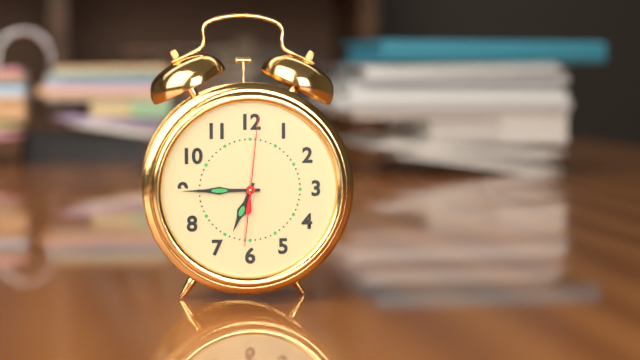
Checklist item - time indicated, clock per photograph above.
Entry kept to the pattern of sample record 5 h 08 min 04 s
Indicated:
6 h 45 min 01 s
